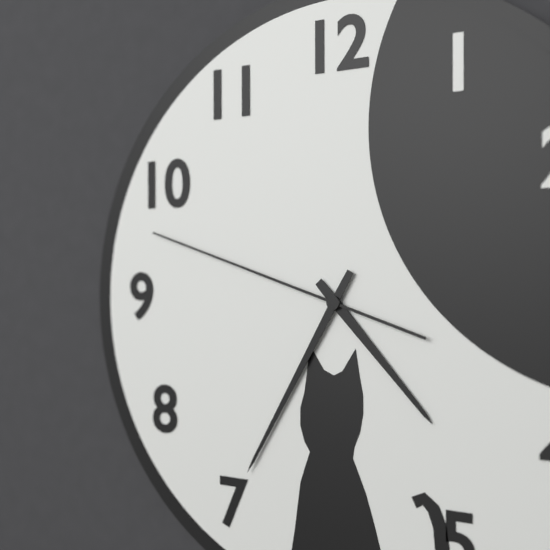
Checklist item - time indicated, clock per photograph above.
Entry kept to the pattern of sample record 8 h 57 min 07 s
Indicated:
4 h 35 min 48 s
